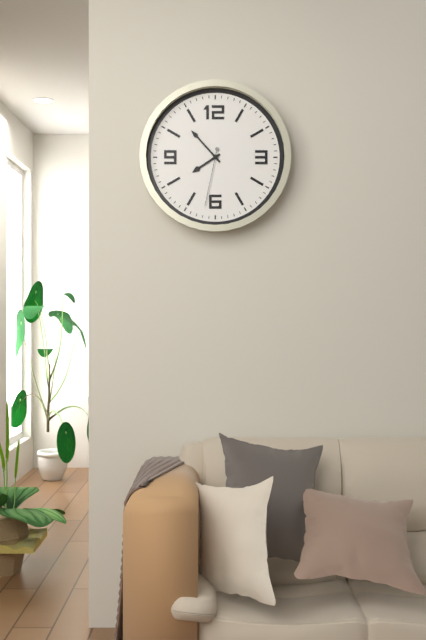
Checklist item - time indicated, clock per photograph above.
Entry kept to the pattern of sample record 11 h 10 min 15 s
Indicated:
7 h 53 min 32 s
